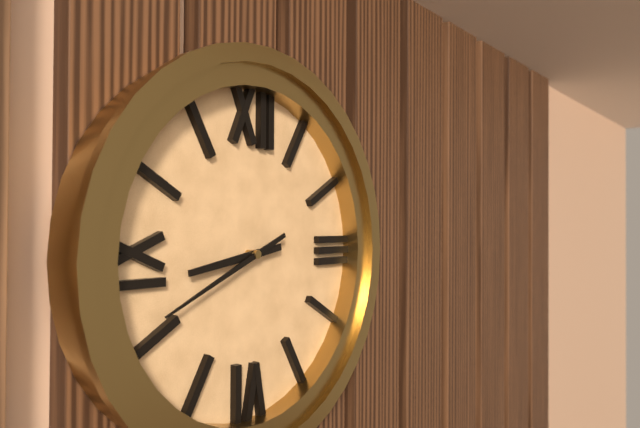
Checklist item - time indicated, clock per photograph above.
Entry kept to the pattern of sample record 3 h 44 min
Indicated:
8 h 41 min
